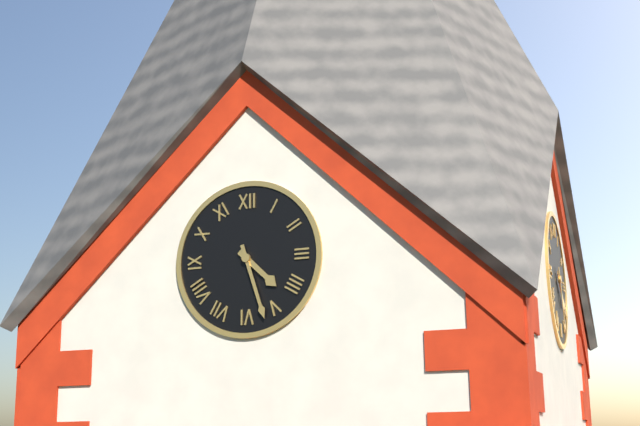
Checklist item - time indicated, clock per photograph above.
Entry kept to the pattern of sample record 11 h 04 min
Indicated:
4 h 27 min
